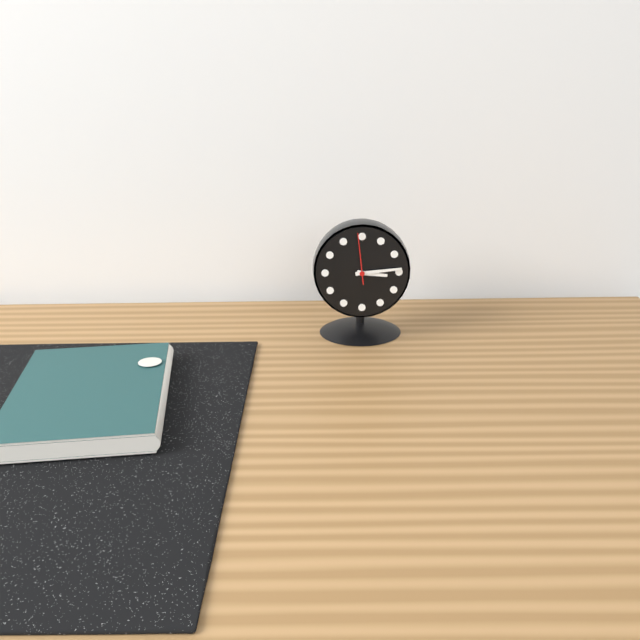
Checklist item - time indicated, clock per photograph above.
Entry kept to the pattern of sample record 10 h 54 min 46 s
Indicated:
3 h 14 min 59 s
